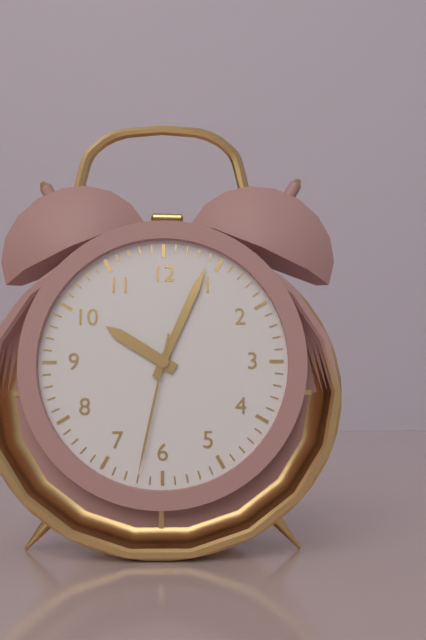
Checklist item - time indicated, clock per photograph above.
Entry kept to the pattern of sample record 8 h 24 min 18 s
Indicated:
10 h 04 min 32 s
